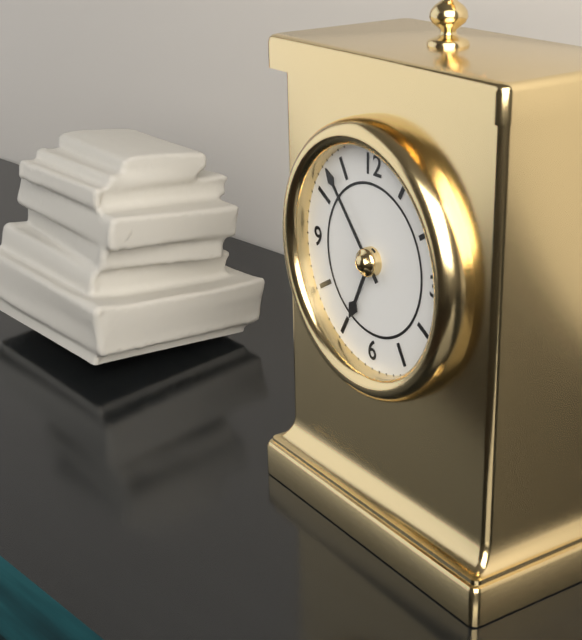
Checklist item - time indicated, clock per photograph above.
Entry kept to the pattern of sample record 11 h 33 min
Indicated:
6 h 53 min
